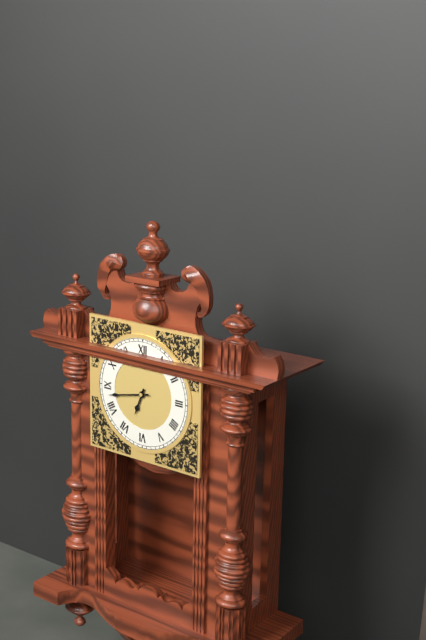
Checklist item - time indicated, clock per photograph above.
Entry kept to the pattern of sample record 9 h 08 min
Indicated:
6 h 43 min
